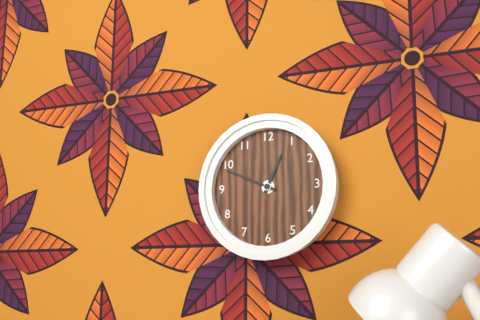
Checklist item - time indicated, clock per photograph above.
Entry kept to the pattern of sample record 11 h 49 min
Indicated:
12 h 49 min
